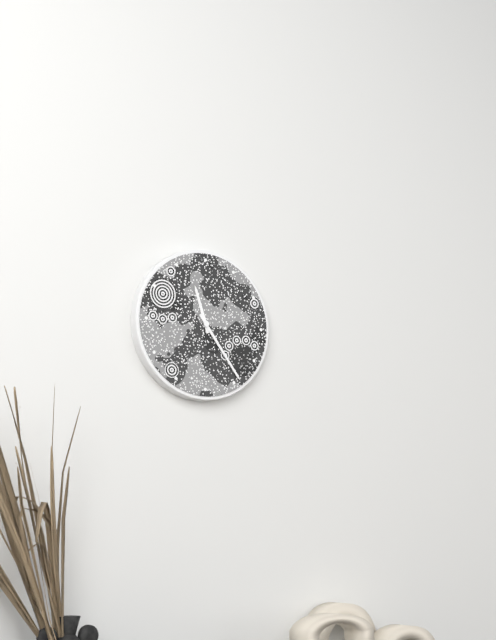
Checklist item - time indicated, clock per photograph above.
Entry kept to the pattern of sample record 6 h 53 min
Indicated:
11 h 24 min
